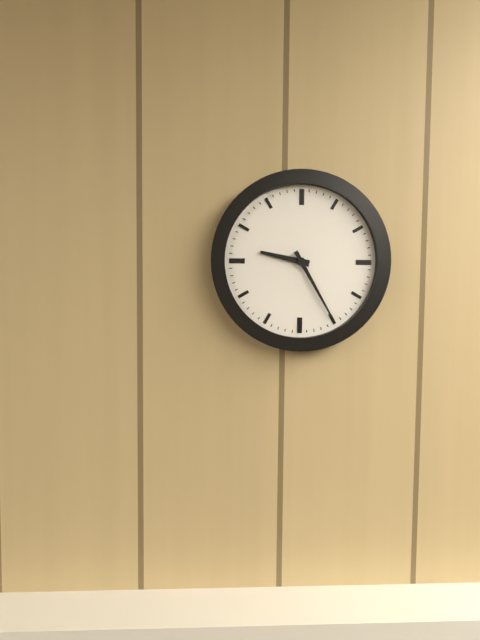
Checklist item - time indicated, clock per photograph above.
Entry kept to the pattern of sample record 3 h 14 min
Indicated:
9 h 25 min
